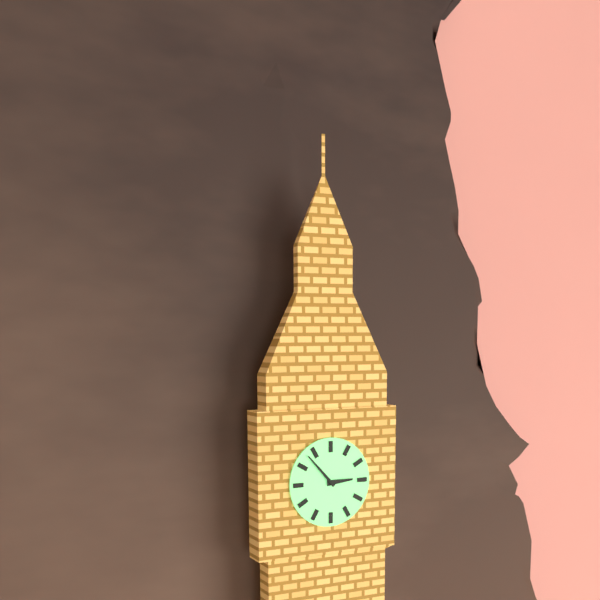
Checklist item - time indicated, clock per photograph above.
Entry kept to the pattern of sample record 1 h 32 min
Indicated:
2 h 53 min
